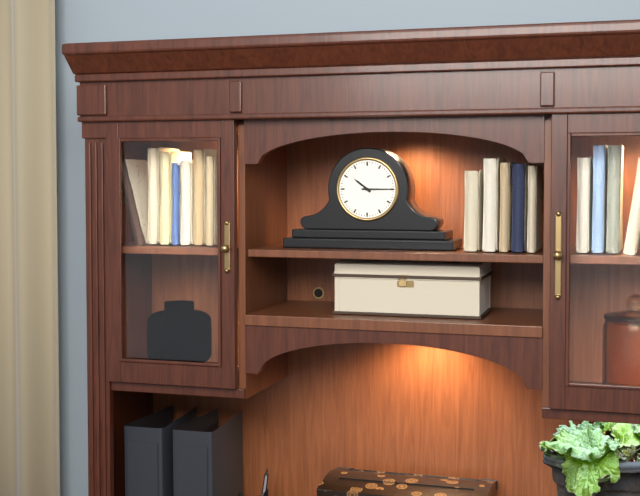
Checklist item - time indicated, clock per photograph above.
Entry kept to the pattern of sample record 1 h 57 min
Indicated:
10 h 15 min
